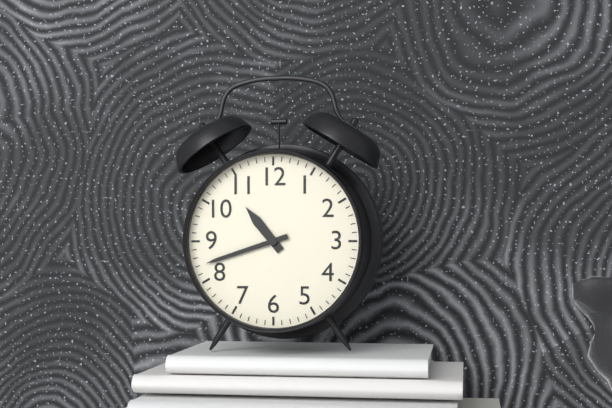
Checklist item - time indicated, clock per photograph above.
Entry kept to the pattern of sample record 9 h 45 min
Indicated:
10 h 42 min
